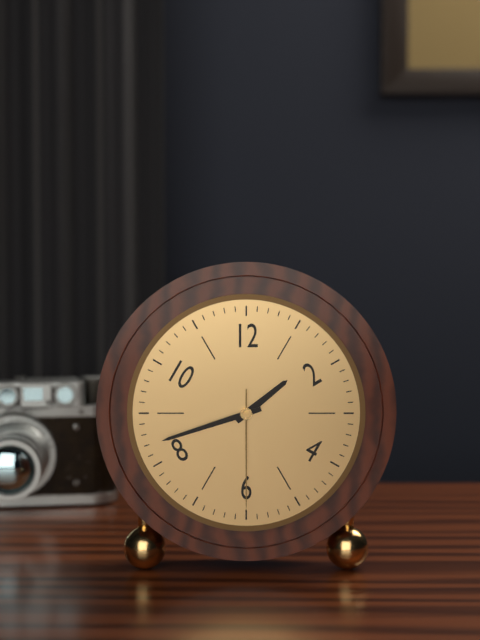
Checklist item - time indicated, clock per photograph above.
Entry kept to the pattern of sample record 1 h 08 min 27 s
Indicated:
1 h 42 min 30 s
